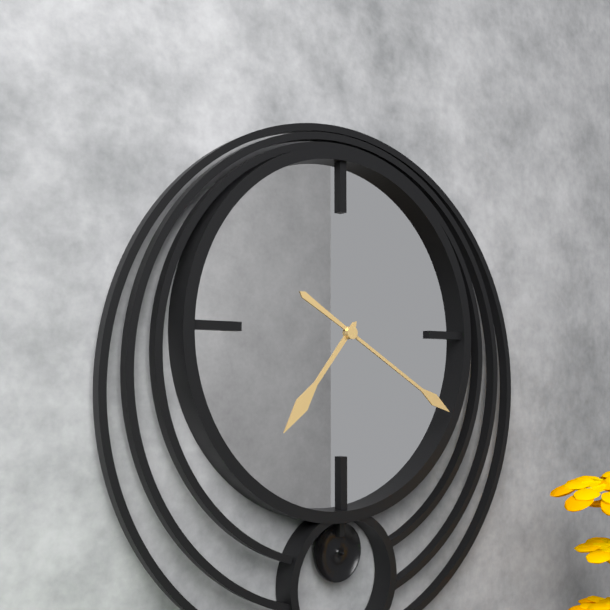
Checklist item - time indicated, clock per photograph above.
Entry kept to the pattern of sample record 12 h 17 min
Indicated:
7 h 20 min
